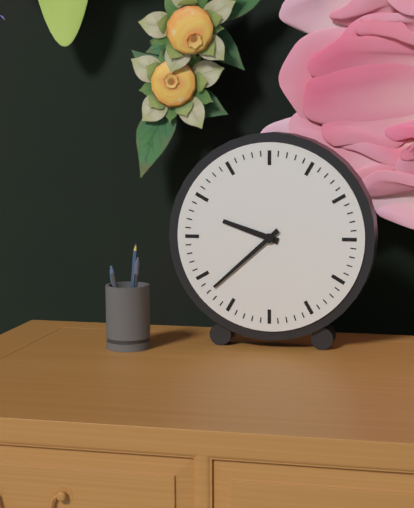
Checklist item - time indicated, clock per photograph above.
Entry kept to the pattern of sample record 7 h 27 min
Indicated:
9 h 38 min
